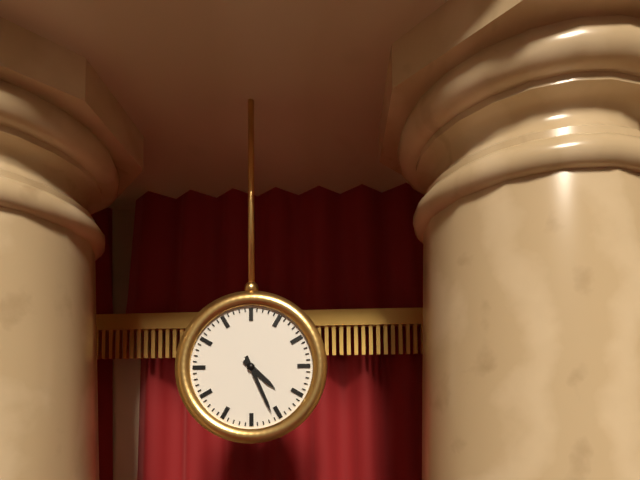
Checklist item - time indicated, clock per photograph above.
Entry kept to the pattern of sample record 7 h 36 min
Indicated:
4 h 26 min
